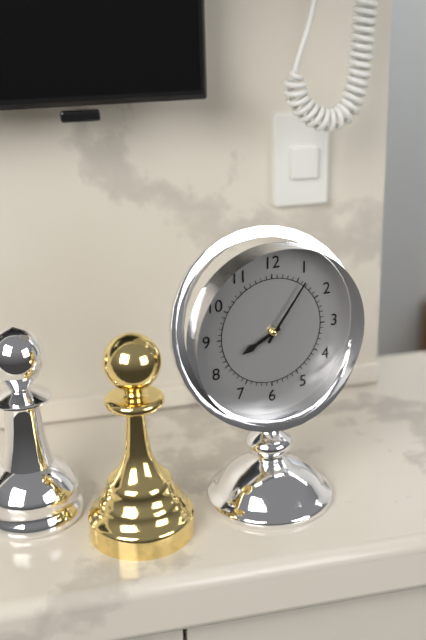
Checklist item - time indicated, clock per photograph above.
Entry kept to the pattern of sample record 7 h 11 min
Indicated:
8 h 06 min
